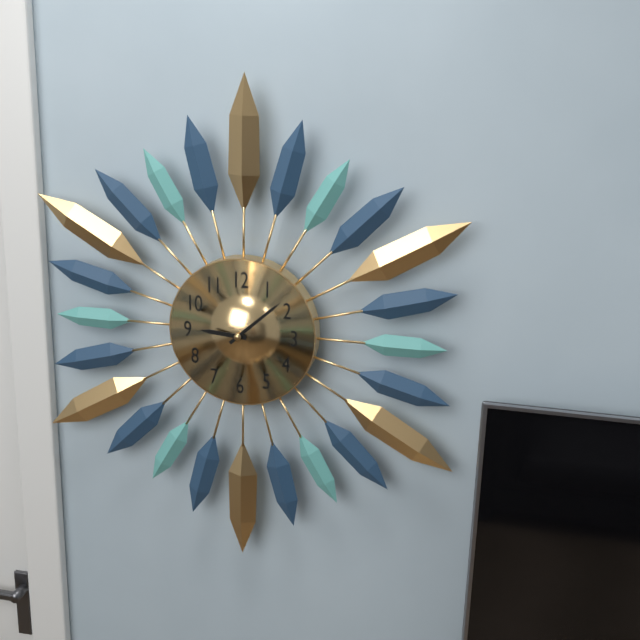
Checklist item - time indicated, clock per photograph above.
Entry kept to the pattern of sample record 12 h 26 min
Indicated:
9 h 08 min
